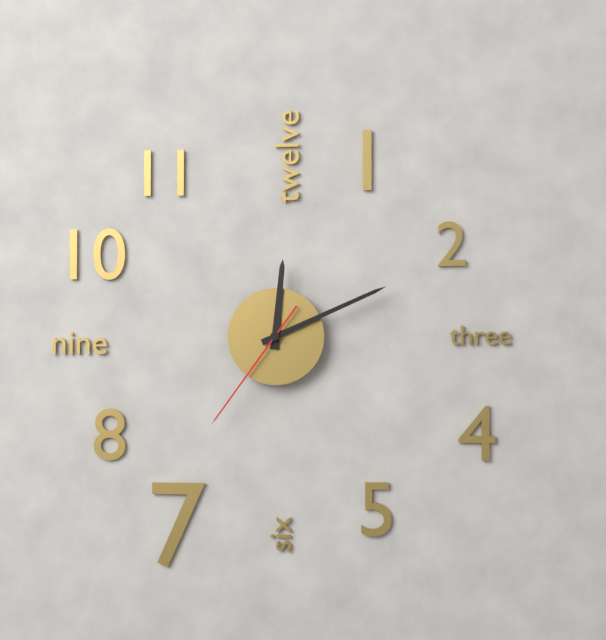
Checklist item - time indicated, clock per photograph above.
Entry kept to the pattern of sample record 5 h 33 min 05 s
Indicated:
12 h 11 min 36 s
